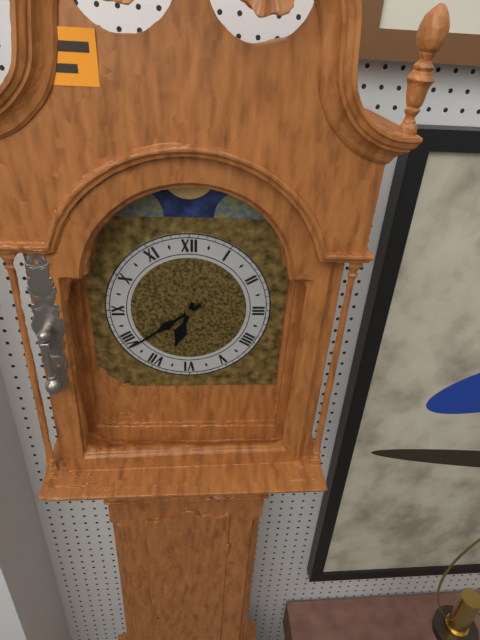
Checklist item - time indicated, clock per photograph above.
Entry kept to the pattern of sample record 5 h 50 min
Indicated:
6 h 39 min
